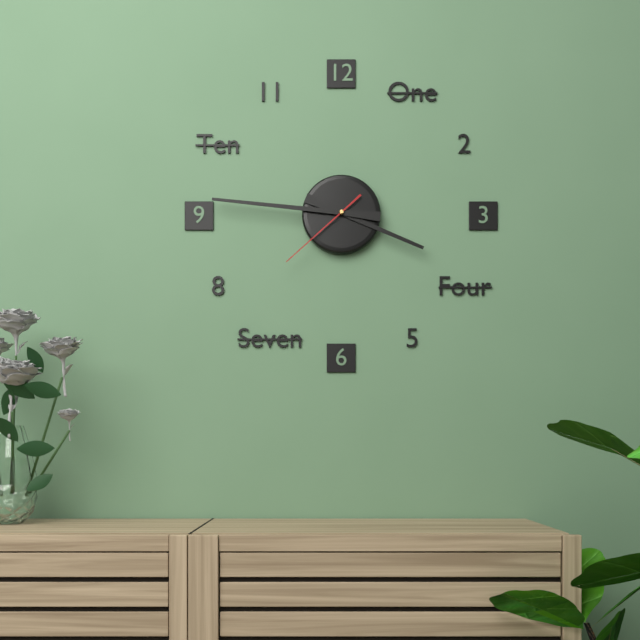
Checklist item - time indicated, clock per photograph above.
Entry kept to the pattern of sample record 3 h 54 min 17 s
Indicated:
3 h 46 min 38 s
